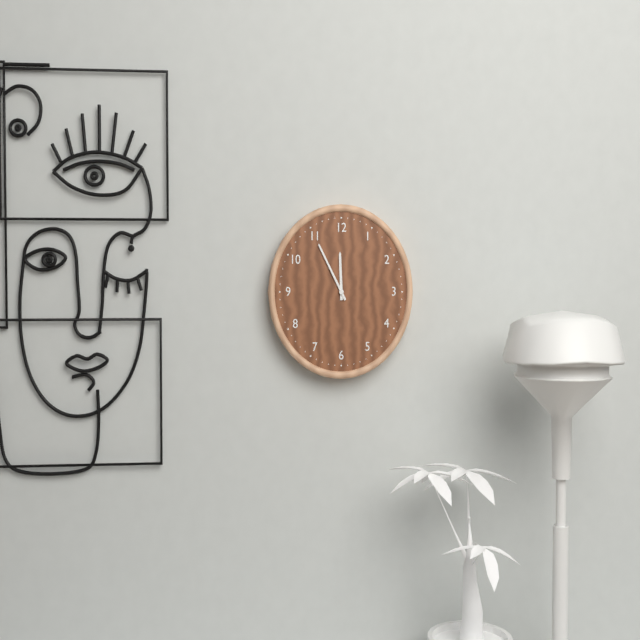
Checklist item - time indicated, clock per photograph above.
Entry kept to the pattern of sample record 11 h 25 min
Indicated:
11 h 55 min
